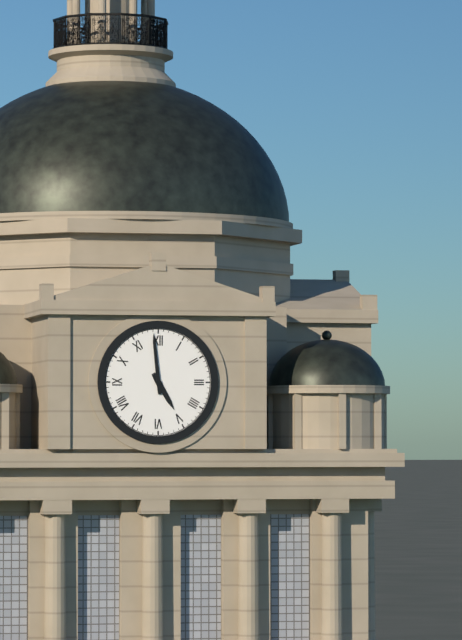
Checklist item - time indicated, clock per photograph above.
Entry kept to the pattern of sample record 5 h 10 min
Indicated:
4 h 59 min
